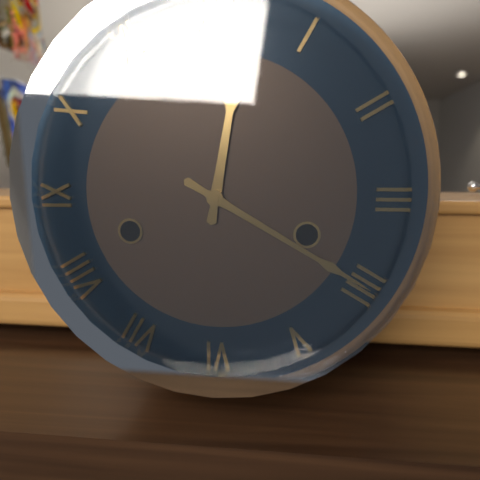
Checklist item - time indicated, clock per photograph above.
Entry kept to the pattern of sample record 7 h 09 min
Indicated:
12 h 20 min
